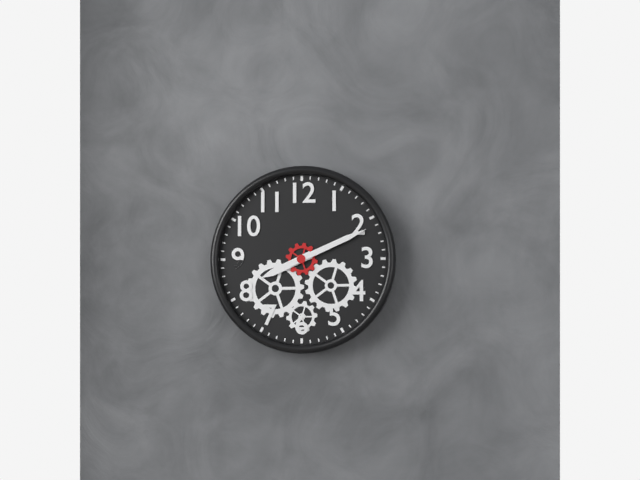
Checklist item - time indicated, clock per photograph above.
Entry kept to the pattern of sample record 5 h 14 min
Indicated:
8 h 11 min
